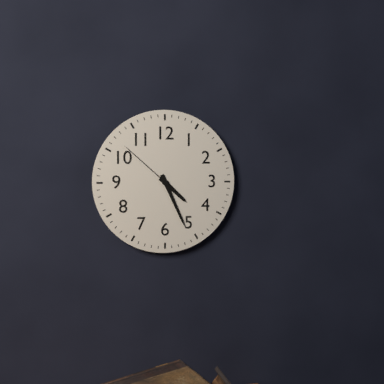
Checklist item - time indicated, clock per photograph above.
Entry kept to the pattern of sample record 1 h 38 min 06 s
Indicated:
4 h 26 min 52 s
